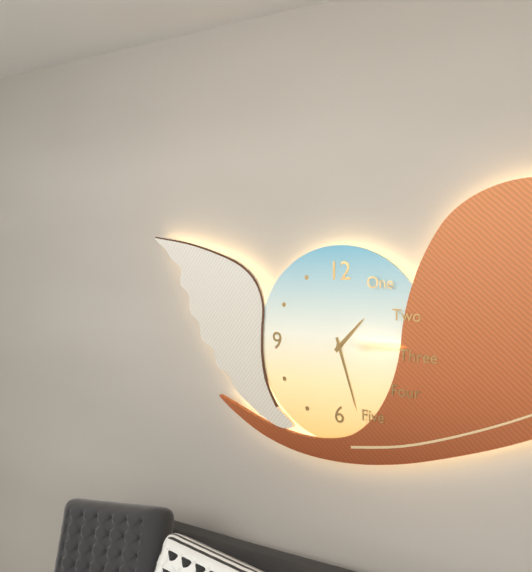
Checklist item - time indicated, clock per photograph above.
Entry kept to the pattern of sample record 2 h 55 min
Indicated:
1 h 27 min
